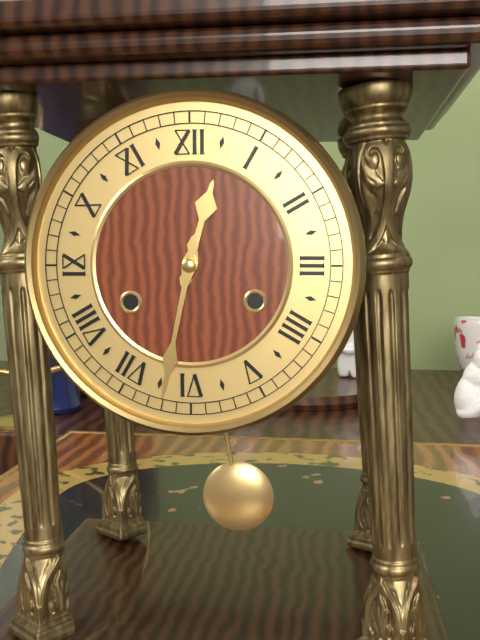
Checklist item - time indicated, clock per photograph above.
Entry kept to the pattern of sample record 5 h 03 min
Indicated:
12 h 32 min
